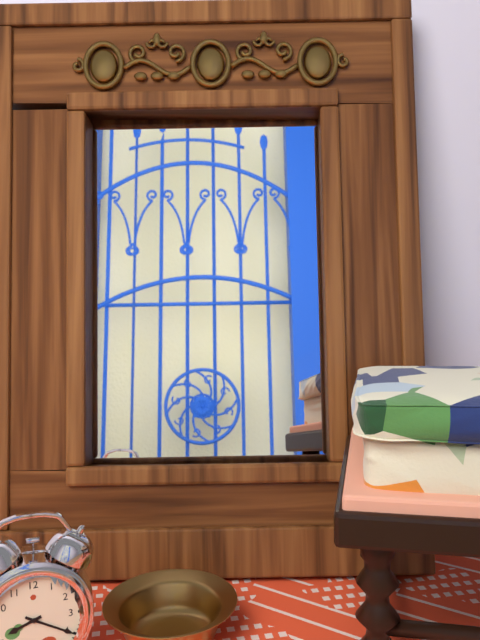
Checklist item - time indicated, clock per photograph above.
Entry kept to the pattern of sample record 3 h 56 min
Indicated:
8 h 20 min
